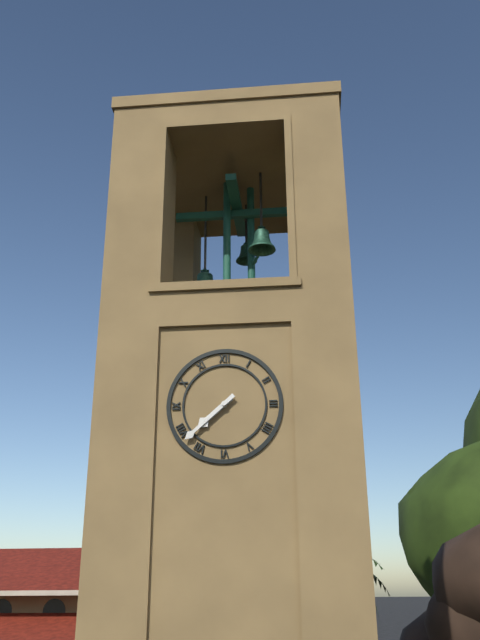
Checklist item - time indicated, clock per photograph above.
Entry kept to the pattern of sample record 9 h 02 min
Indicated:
7 h 38 min
